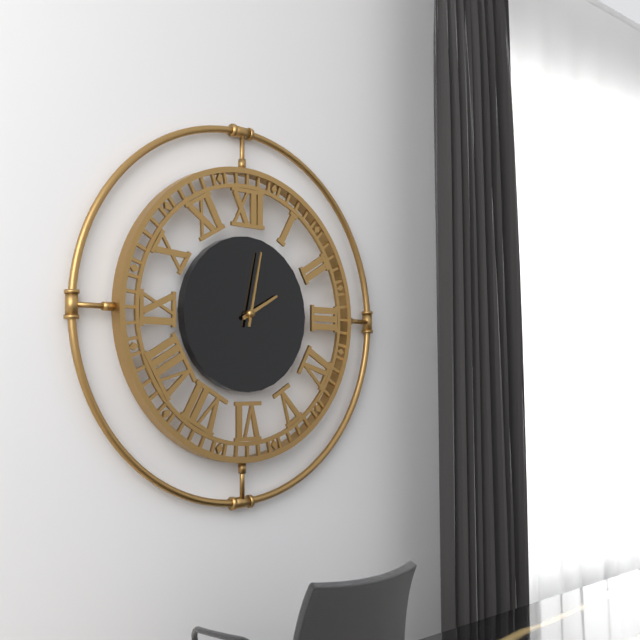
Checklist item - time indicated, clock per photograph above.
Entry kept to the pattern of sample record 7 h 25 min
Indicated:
2 h 02 min
